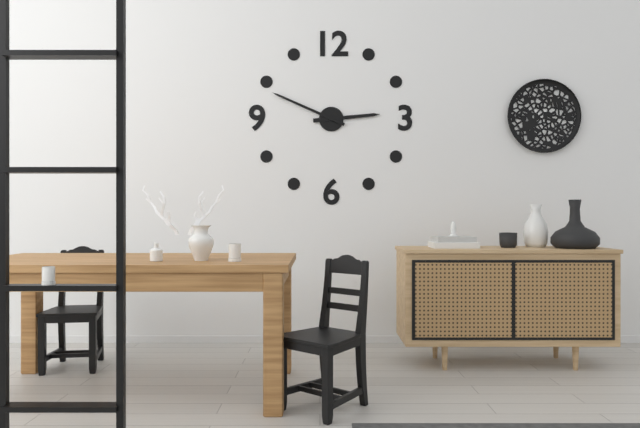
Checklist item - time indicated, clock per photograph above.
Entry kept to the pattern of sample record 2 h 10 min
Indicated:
2 h 49 min
